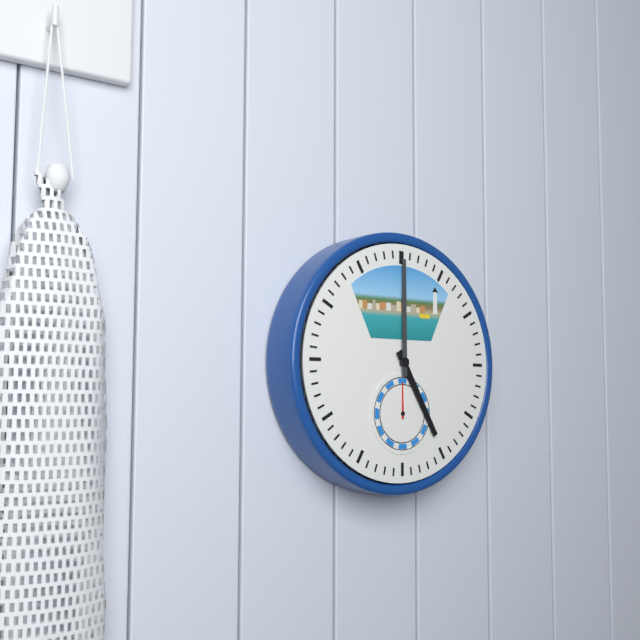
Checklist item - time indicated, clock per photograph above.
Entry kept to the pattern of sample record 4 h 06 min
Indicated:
5 h 00 min
